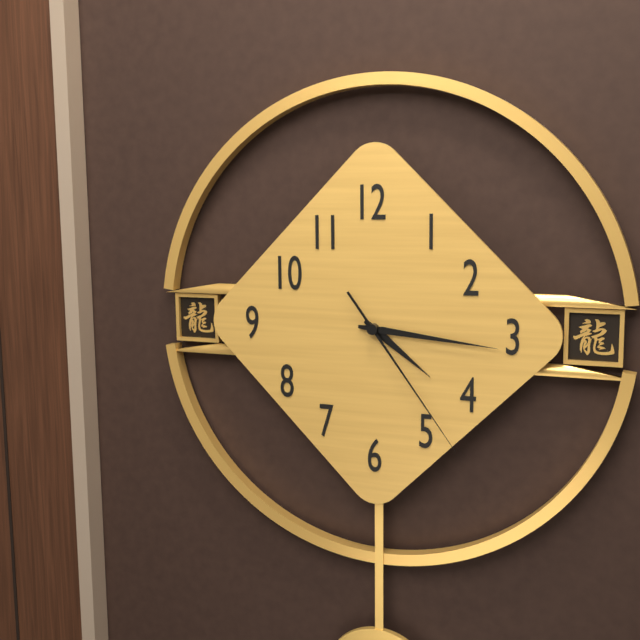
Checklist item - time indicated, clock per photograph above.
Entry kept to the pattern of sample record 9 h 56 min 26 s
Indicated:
4 h 16 min 24 s
